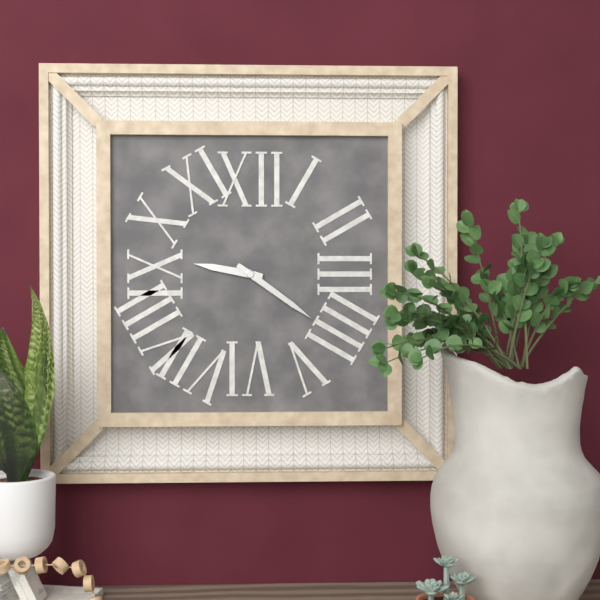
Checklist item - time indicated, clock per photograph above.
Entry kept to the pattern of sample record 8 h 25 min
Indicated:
9 h 21 min
